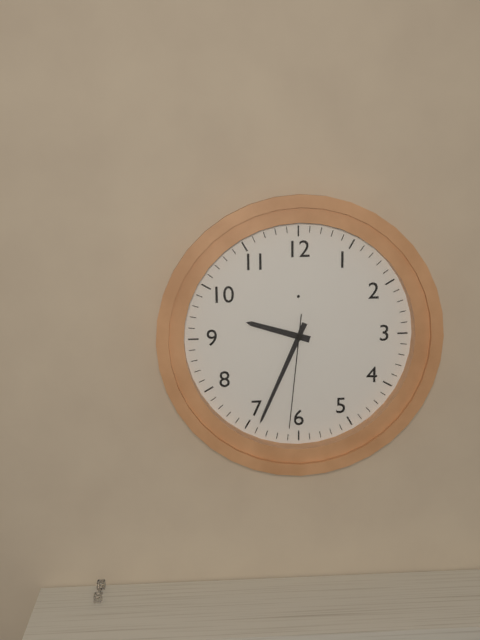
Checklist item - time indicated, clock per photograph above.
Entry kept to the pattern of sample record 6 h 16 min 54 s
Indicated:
9 h 34 min 31 s
